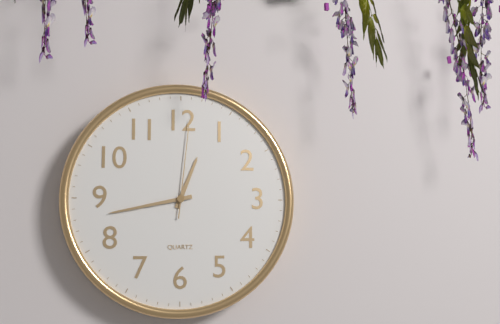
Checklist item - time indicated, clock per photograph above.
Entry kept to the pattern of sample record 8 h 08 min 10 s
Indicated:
12 h 43 min 01 s
